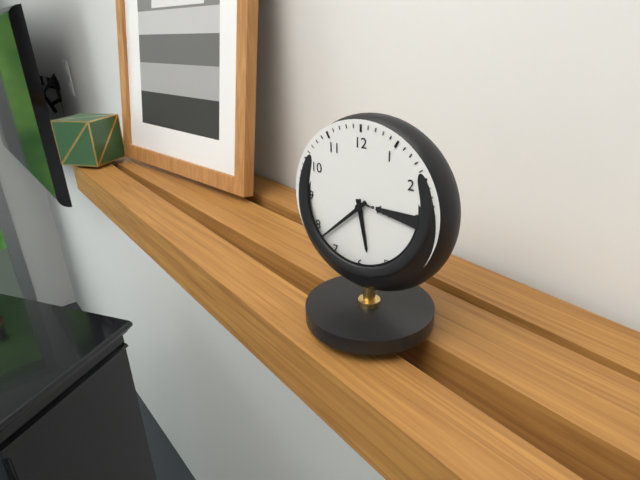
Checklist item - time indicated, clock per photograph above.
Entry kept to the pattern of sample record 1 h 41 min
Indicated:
5 h 38 min
